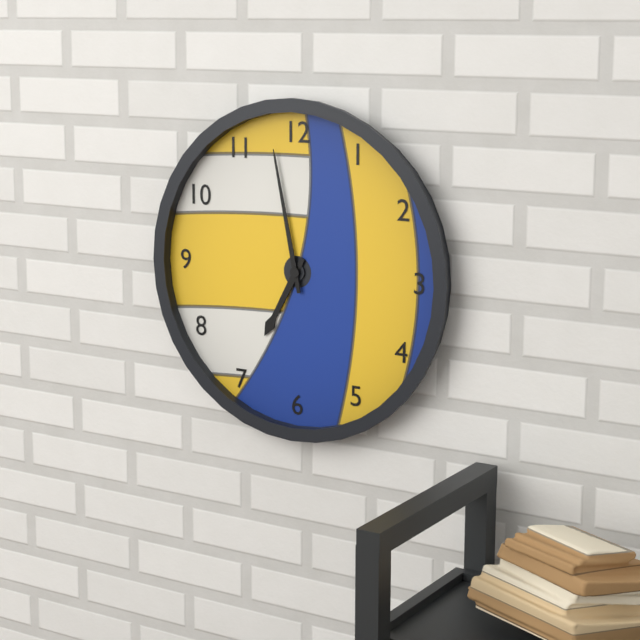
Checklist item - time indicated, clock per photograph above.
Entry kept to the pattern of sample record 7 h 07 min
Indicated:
6 h 58 min
